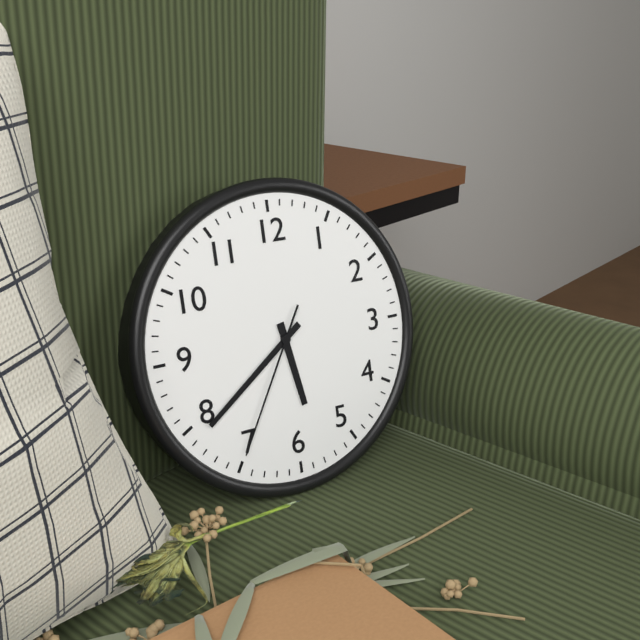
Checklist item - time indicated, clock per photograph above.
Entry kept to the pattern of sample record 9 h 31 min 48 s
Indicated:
5 h 39 min 35 s
